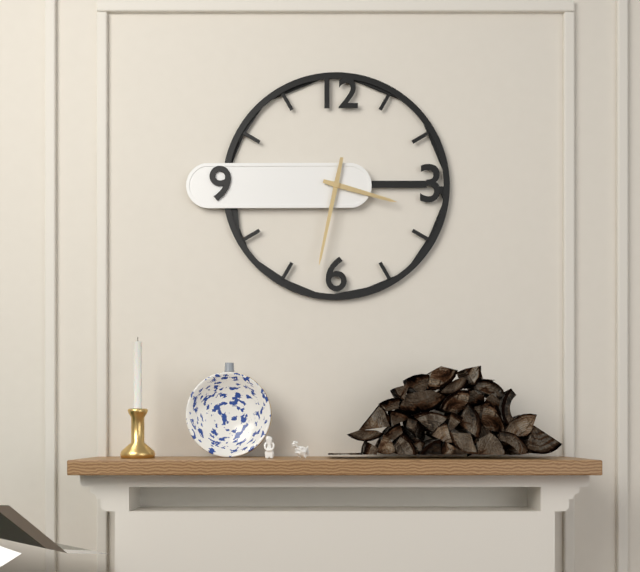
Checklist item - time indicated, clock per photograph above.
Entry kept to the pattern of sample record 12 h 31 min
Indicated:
3 h 32 min
